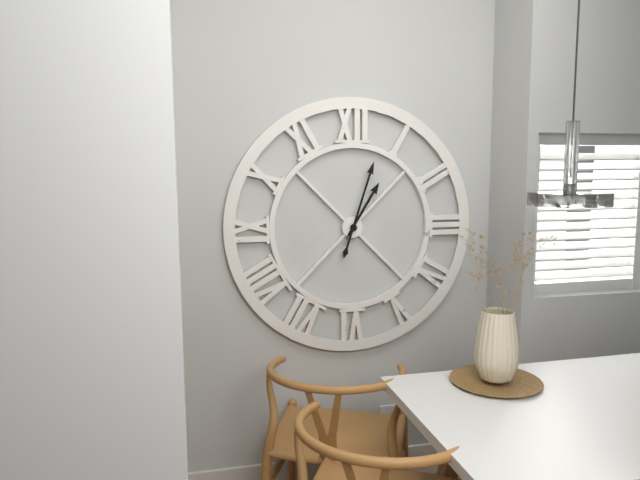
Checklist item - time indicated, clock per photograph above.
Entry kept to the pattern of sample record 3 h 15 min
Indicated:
1 h 03 min
